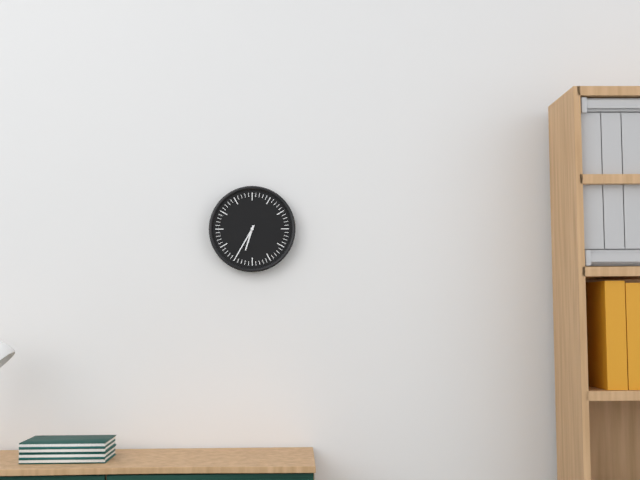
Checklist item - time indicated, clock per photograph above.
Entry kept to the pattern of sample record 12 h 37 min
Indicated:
6 h 35 min
